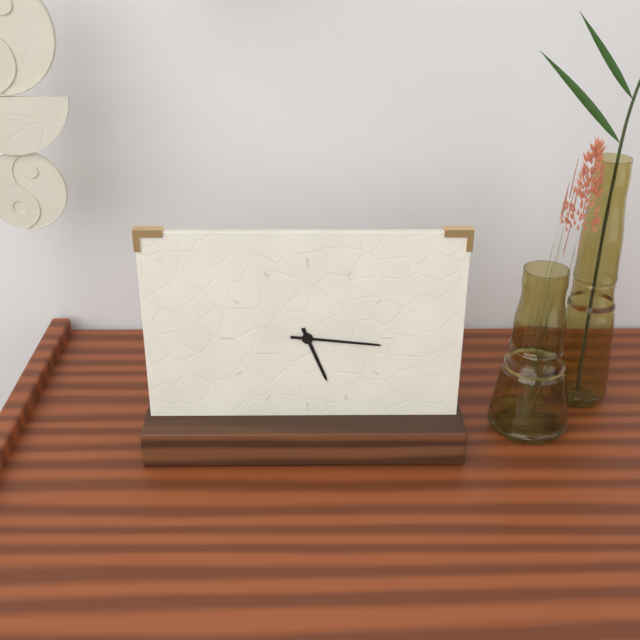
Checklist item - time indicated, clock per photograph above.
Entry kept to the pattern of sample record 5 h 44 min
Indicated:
5 h 16 min
